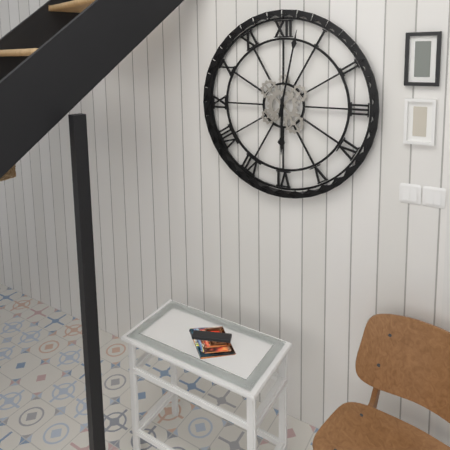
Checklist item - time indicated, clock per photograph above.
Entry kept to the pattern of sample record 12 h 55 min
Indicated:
6 h 02 min
